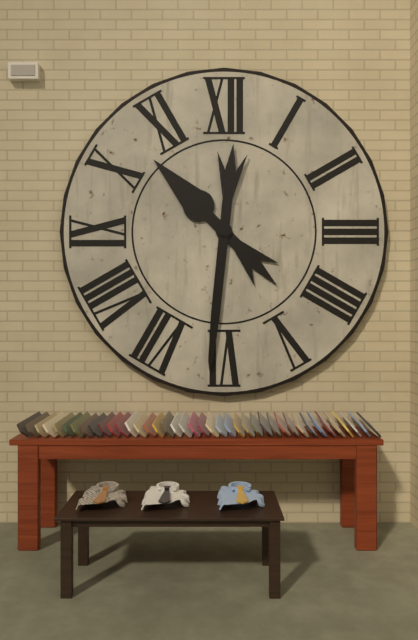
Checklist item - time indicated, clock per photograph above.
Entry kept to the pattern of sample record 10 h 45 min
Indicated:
10 h 31 min
